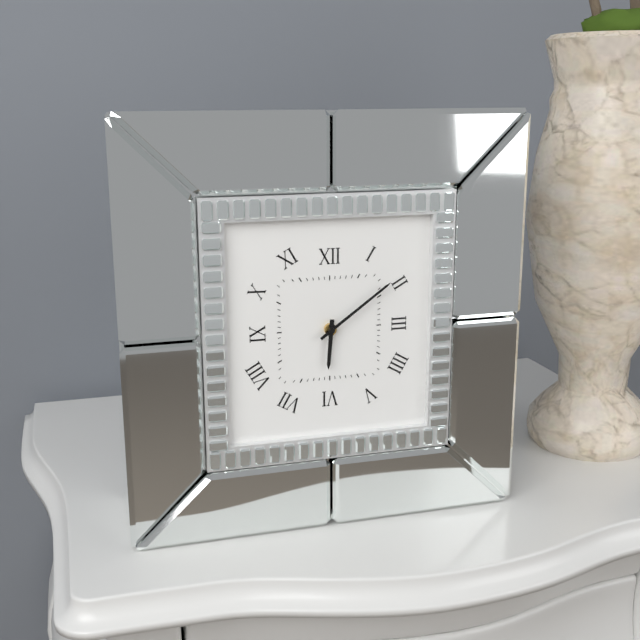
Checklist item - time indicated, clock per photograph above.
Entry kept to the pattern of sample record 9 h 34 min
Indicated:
6 h 09 min
